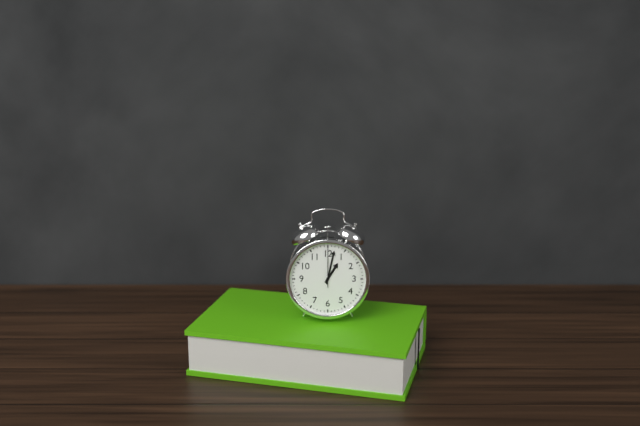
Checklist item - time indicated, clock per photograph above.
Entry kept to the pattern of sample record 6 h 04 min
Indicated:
1 h 02 min
